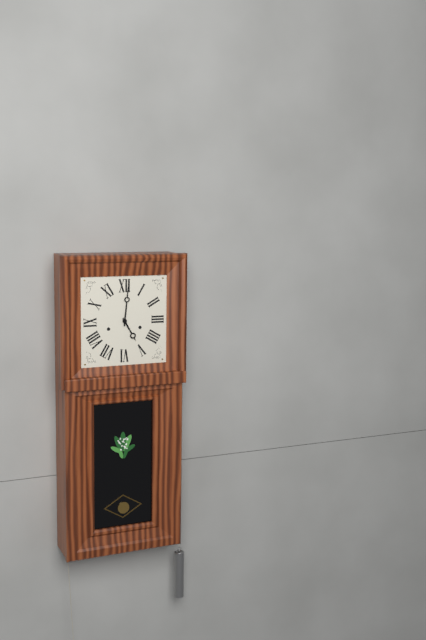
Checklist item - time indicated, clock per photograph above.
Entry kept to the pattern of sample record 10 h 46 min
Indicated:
5 h 01 min
